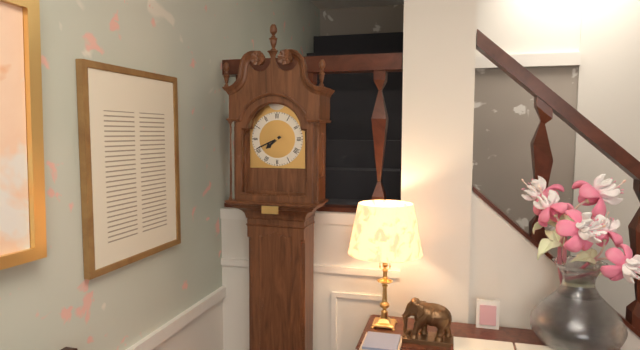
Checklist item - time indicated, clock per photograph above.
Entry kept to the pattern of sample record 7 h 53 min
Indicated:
7 h 41 min
